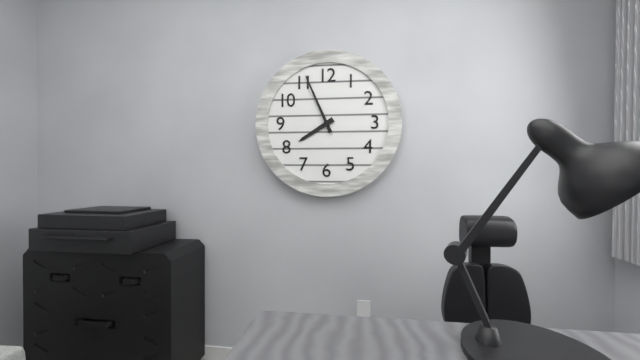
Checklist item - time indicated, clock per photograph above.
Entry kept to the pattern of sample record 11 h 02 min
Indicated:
7 h 56 min
